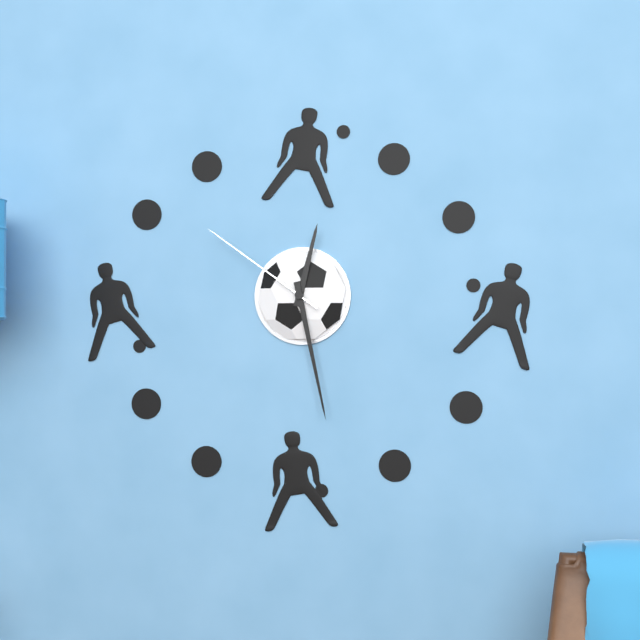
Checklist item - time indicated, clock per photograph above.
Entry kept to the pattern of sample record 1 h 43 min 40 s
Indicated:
12 h 28 min 51 s
